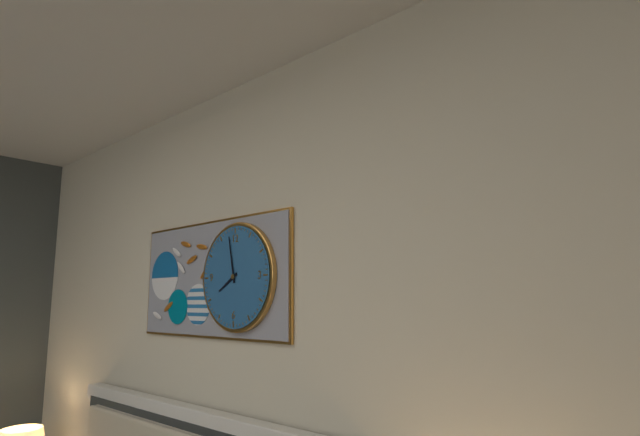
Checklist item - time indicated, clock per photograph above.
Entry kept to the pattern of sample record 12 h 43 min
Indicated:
7 h 58 min
